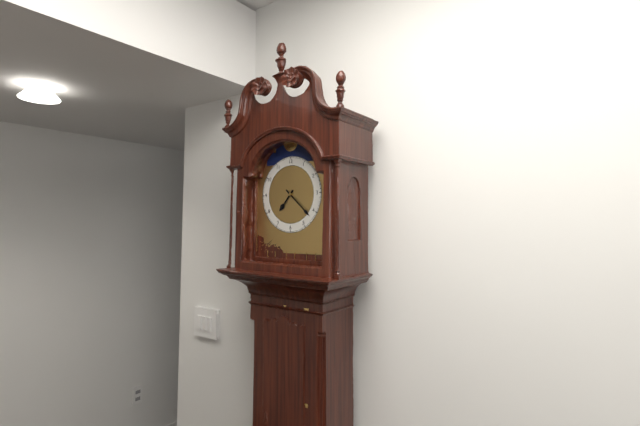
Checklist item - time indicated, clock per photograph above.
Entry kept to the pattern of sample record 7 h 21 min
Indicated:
7 h 22 min
